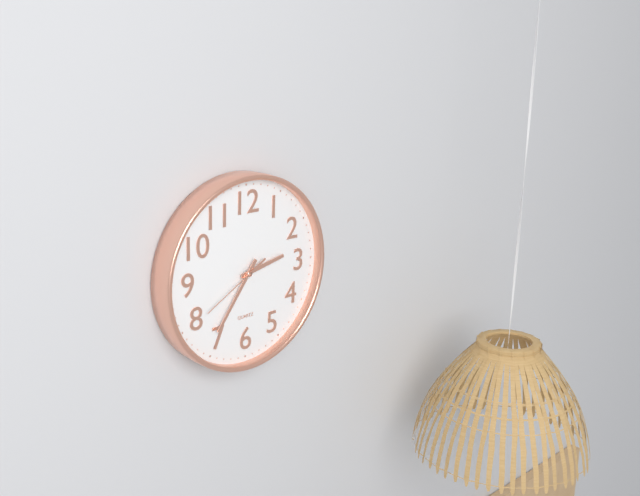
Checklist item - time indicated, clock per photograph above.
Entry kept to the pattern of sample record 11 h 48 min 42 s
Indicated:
2 h 36 min 40 s
